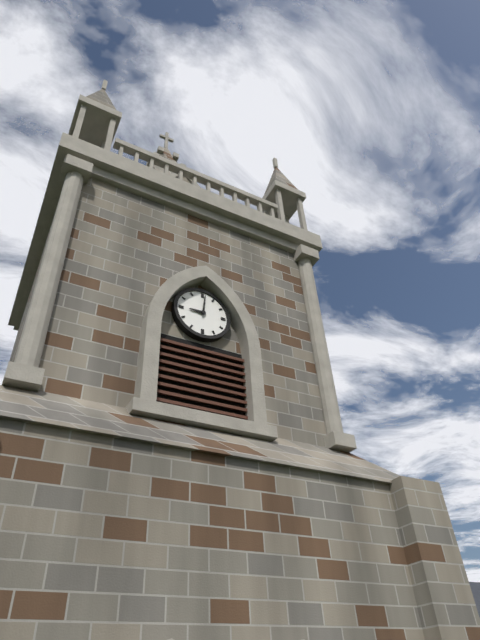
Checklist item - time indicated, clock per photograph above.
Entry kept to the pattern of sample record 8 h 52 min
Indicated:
9 h 01 min
